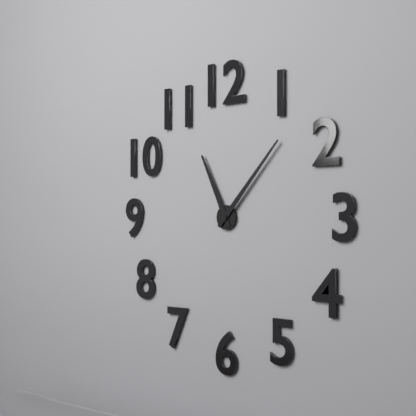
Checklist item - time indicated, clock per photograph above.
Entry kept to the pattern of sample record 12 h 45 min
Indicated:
11 h 07 min
